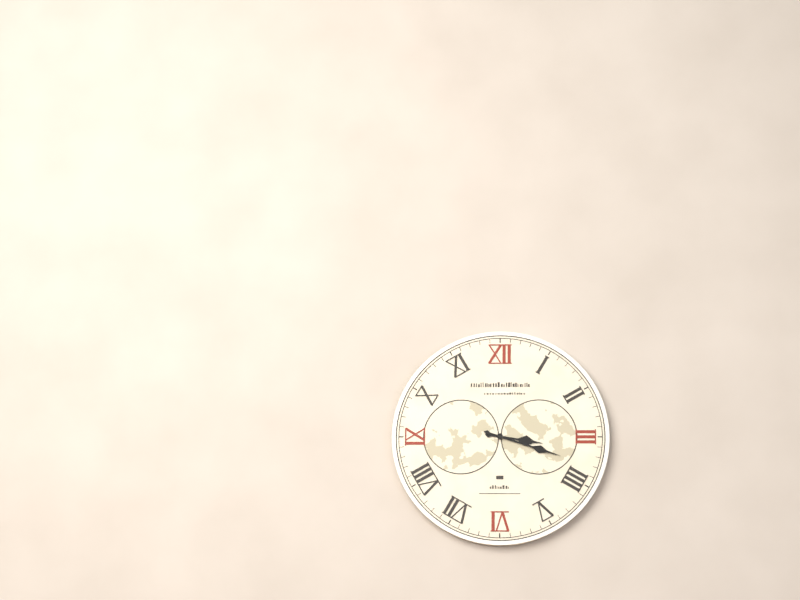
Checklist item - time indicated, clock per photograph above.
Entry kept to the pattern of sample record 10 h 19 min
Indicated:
3 h 18 min
